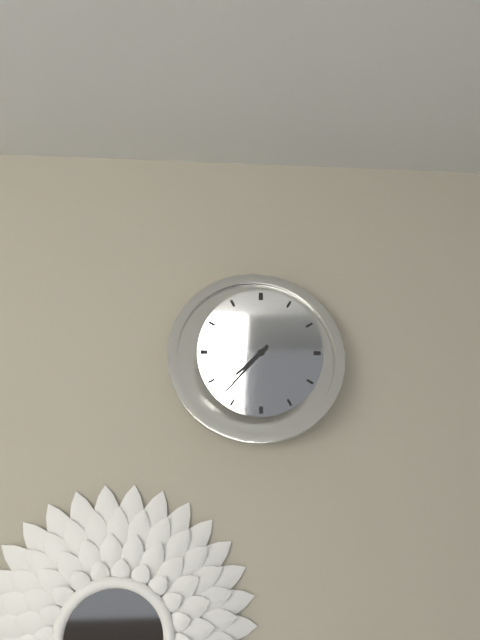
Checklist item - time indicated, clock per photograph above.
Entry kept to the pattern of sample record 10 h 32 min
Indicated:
7 h 37 min
